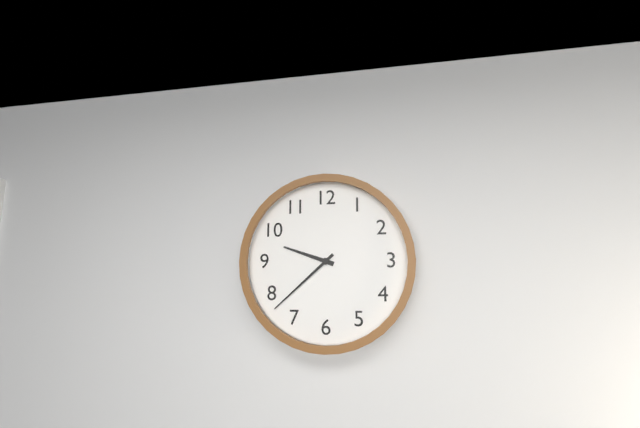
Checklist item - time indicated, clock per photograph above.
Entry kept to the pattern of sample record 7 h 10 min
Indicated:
9 h 38 min
